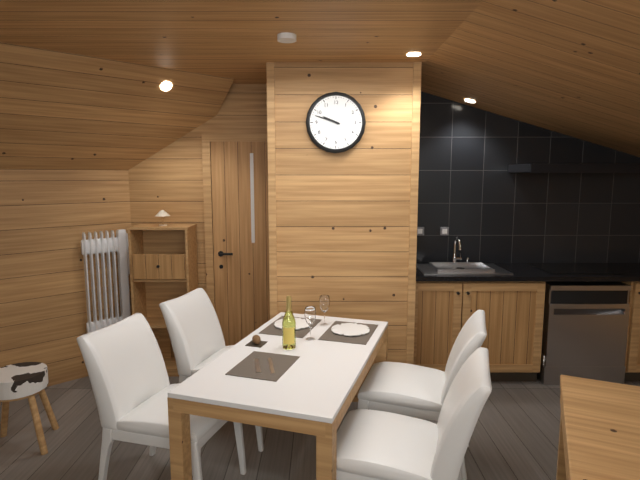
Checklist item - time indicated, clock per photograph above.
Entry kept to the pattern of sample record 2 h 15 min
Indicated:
9 h 48 min
